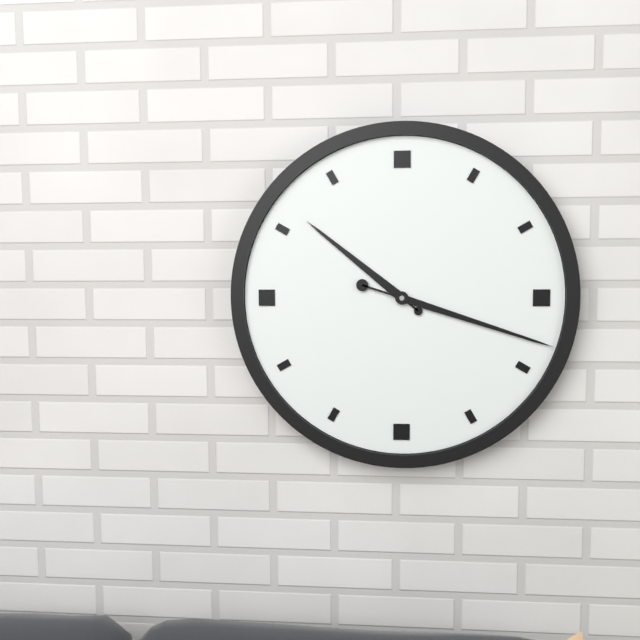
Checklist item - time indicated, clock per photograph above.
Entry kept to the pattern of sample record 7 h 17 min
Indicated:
10 h 18 min
